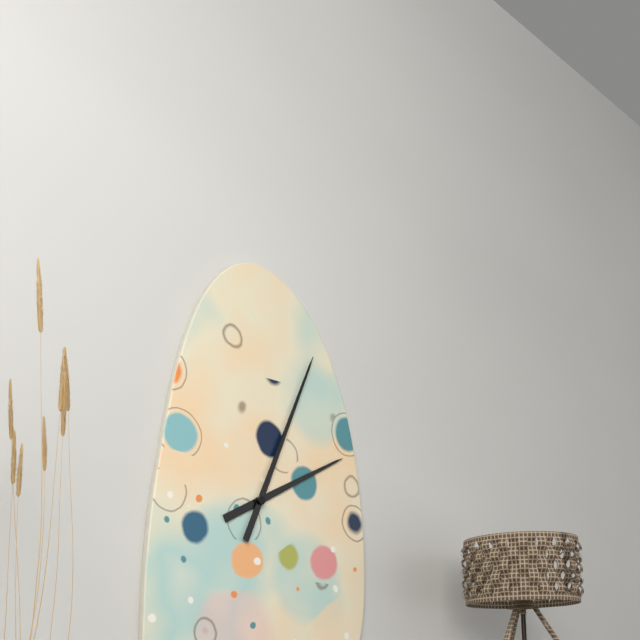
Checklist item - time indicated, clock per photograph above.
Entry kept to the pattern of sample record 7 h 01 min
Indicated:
2 h 04 min
